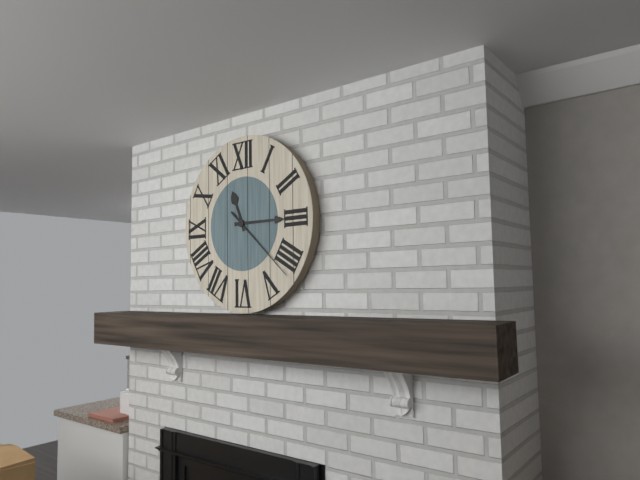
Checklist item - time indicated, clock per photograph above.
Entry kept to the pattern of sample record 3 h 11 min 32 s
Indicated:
11 h 15 min 22 s
